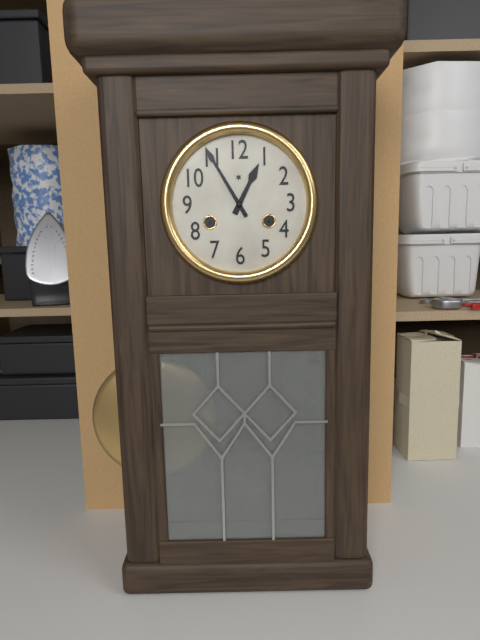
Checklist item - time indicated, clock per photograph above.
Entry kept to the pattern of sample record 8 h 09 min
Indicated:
12 h 55 min
